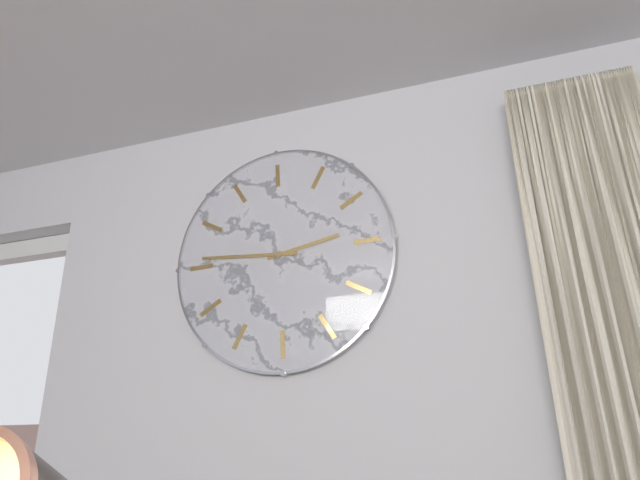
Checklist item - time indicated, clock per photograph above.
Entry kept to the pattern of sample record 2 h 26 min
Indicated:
1 h 41 min
